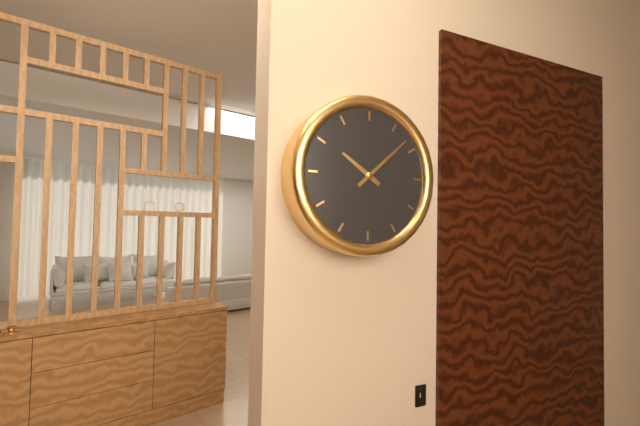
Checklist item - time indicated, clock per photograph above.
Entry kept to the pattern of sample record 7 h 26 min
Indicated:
10 h 08 min
